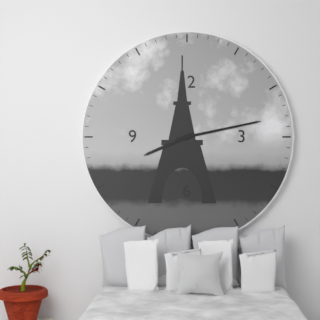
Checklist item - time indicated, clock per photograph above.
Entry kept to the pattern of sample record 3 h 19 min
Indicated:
8 h 13 min
